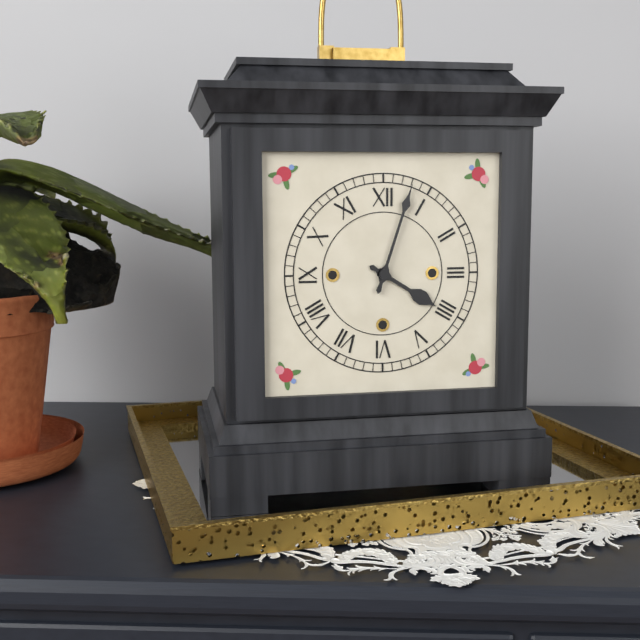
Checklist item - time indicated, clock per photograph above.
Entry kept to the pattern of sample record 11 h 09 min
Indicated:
4 h 03 min
